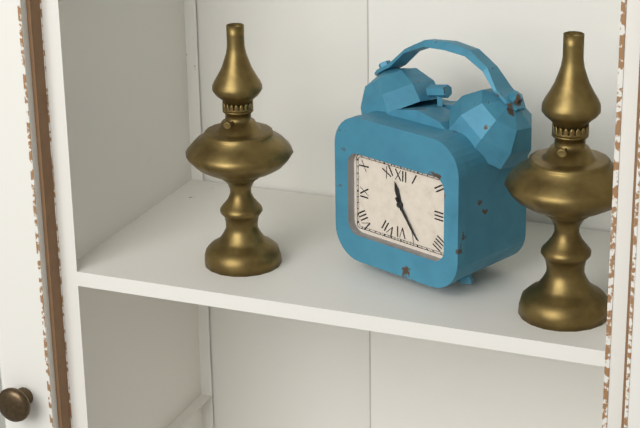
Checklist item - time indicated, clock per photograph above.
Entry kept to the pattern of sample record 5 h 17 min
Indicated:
11 h 24 min
